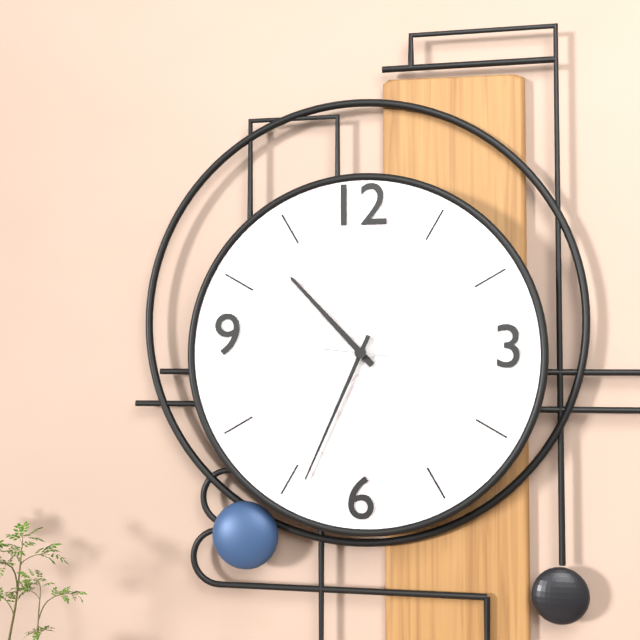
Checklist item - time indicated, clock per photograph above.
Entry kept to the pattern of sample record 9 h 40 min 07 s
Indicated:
10 h 34 min 16 s
